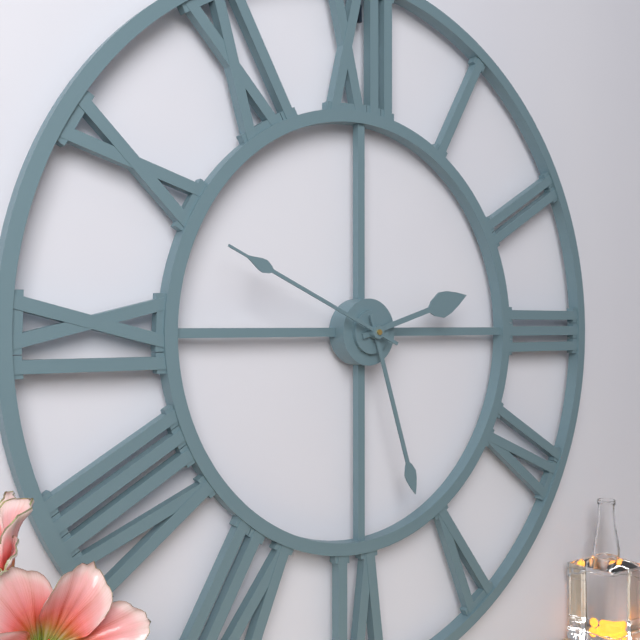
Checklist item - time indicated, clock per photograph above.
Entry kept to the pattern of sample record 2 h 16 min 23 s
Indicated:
2 h 27 min 49 s
